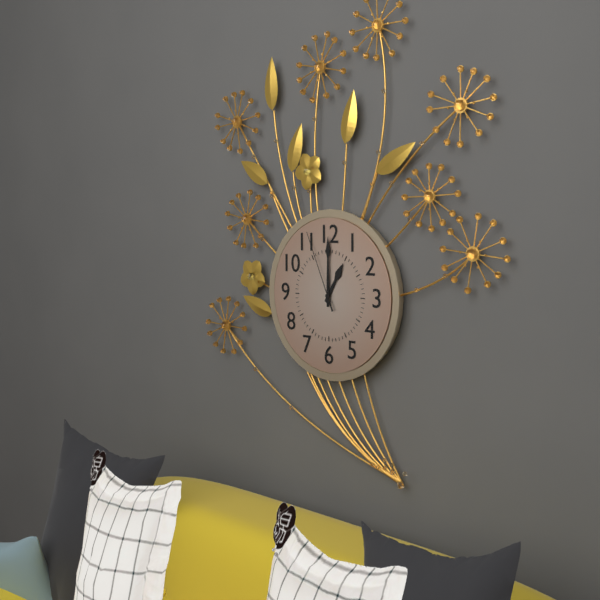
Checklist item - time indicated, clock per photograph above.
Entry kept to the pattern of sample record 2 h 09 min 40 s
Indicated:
1 h 00 min 56 s
